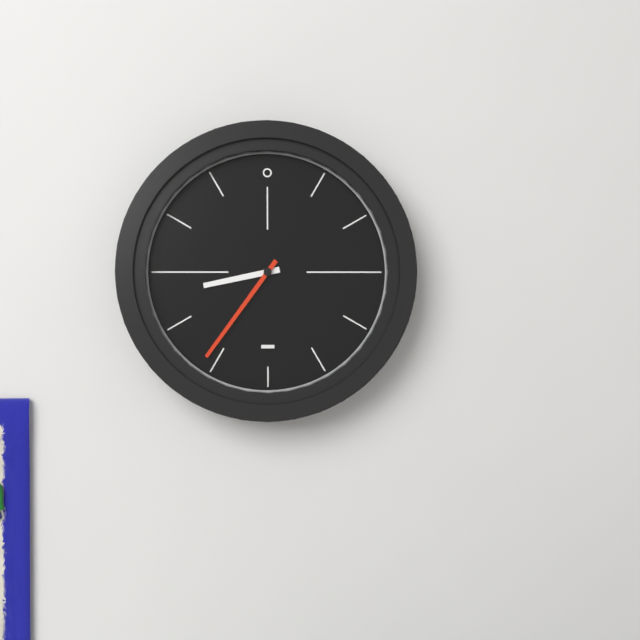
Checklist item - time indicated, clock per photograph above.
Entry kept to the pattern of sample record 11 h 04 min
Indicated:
8 h 36 min
